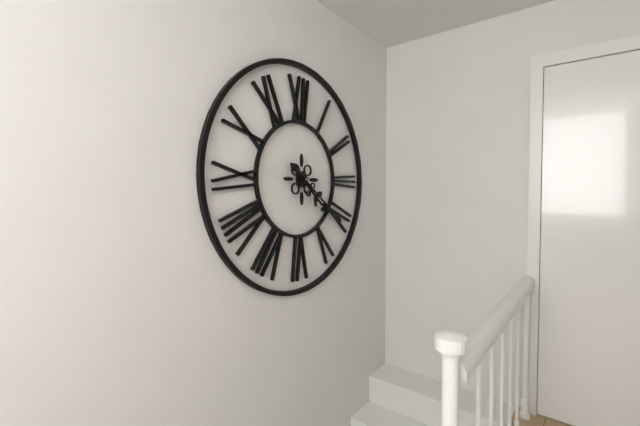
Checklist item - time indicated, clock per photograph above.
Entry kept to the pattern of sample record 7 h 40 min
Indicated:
4 h 21 min
